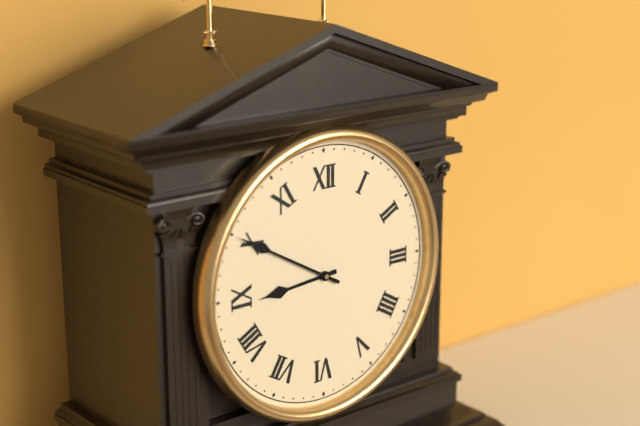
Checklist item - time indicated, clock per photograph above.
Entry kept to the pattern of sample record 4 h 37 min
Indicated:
8 h 50 min
